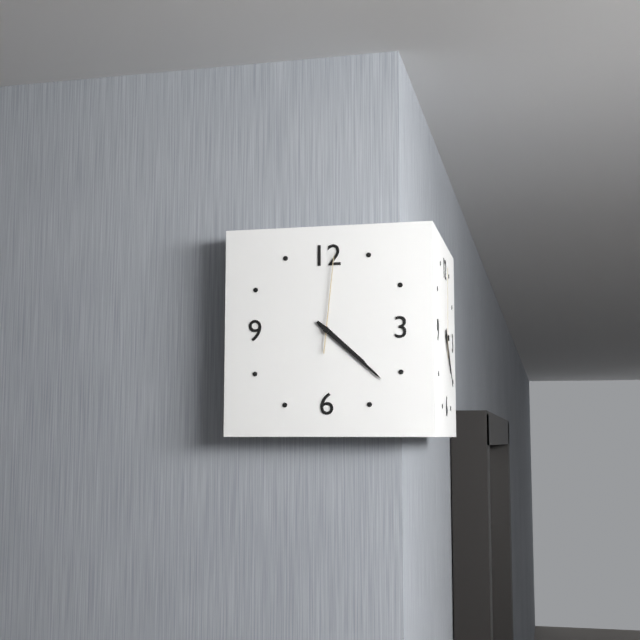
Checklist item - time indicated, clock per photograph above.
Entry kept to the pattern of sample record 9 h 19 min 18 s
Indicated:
4 h 22 min 01 s
